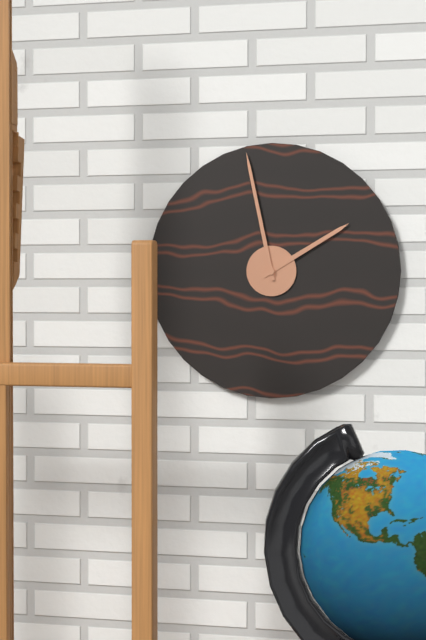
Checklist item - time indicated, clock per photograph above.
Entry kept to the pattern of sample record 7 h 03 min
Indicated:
1 h 58 min
